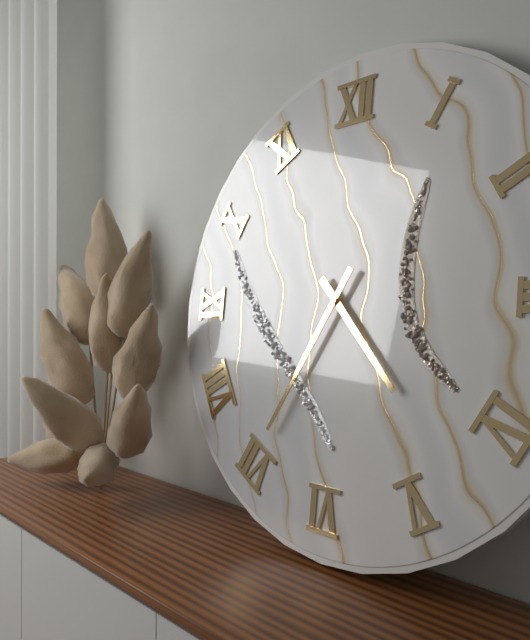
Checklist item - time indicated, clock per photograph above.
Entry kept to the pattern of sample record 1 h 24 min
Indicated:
4 h 35 min
